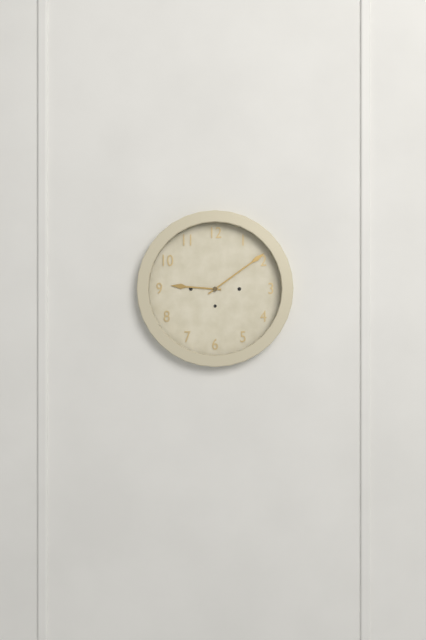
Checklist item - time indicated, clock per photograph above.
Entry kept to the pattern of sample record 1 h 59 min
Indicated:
9 h 09 min
